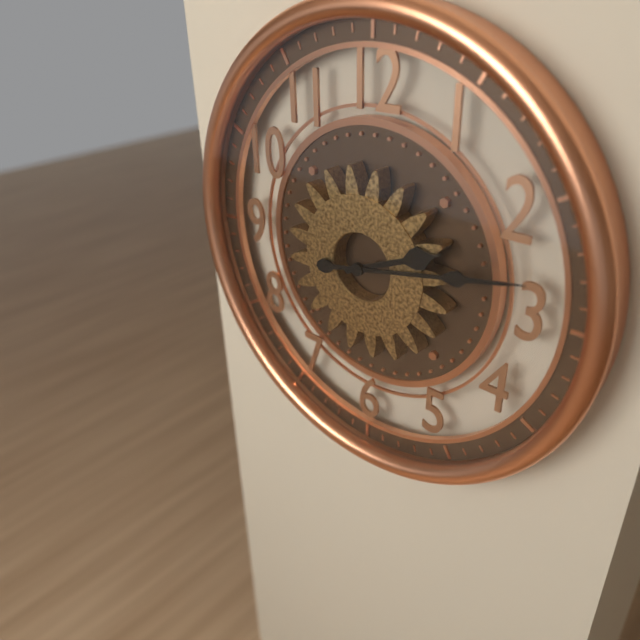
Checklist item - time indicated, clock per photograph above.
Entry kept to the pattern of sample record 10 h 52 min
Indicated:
2 h 13 min
